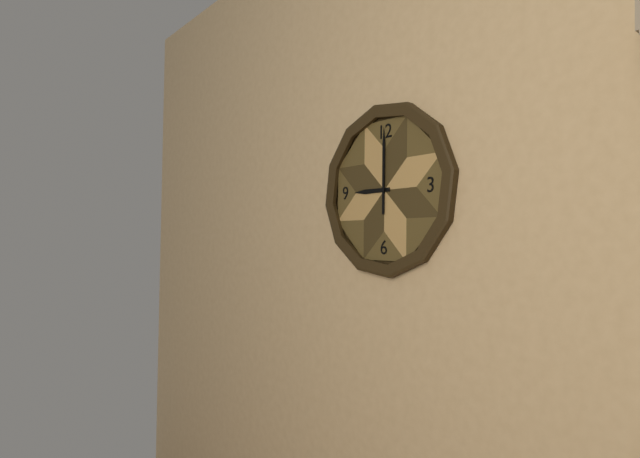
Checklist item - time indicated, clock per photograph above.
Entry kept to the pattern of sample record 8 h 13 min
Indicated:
9 h 00 min
